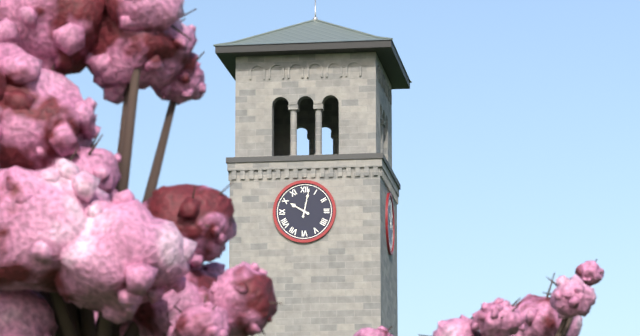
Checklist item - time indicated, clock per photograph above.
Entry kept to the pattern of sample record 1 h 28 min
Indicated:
10 h 02 min
